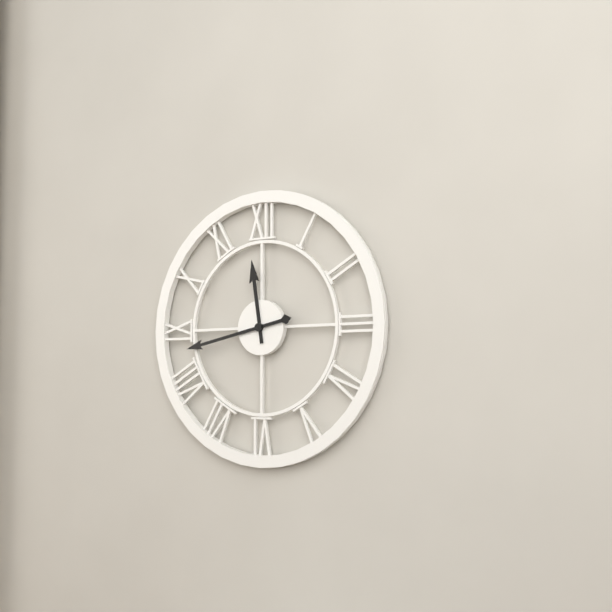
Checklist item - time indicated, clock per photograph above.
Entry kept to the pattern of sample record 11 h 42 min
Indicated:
11 h 43 min
